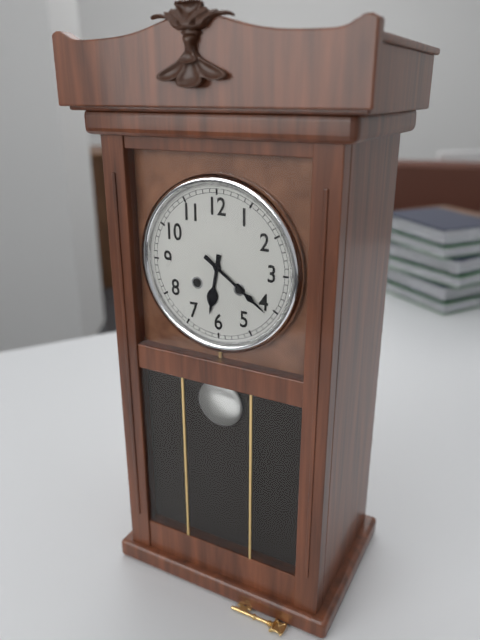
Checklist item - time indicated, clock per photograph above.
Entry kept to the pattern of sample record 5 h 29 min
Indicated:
6 h 21 min
